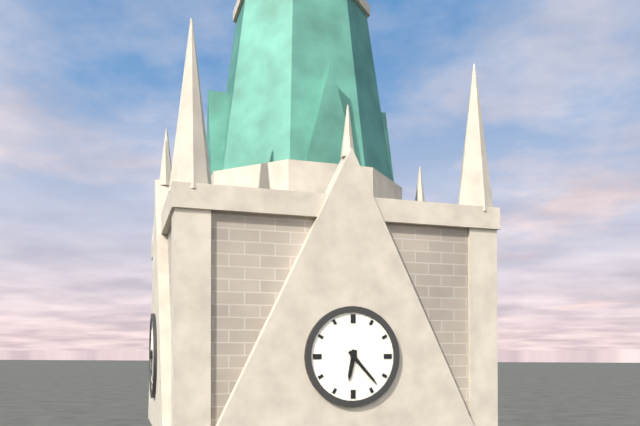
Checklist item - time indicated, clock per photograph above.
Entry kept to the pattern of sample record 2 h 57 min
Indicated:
6 h 23 min
